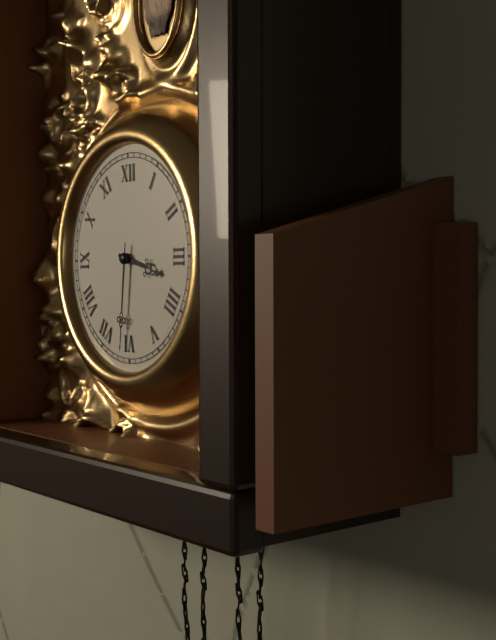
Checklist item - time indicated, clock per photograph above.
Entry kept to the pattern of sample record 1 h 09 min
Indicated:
3 h 31 min
